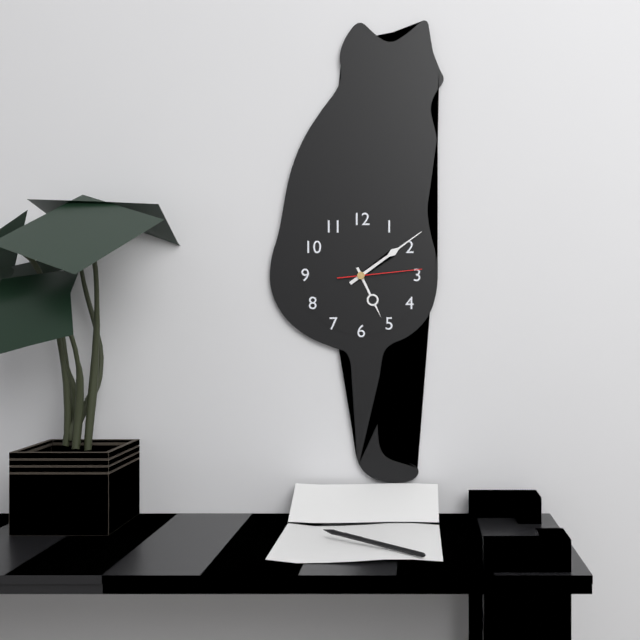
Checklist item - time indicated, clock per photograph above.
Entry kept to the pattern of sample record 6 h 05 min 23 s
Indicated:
5 h 09 min 14 s
